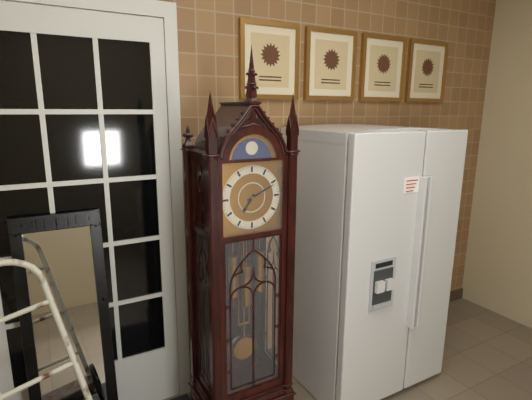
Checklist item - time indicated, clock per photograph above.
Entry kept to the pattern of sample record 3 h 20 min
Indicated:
7 h 11 min
